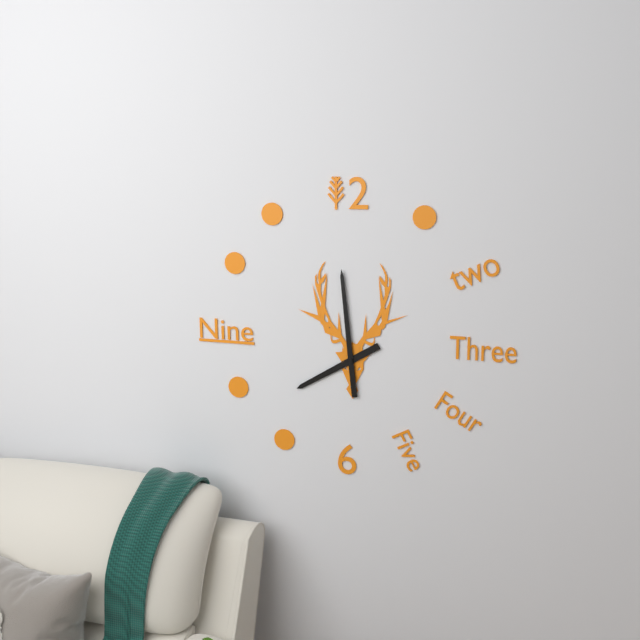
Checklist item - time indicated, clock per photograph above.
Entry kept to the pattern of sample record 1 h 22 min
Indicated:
7 h 59 min
